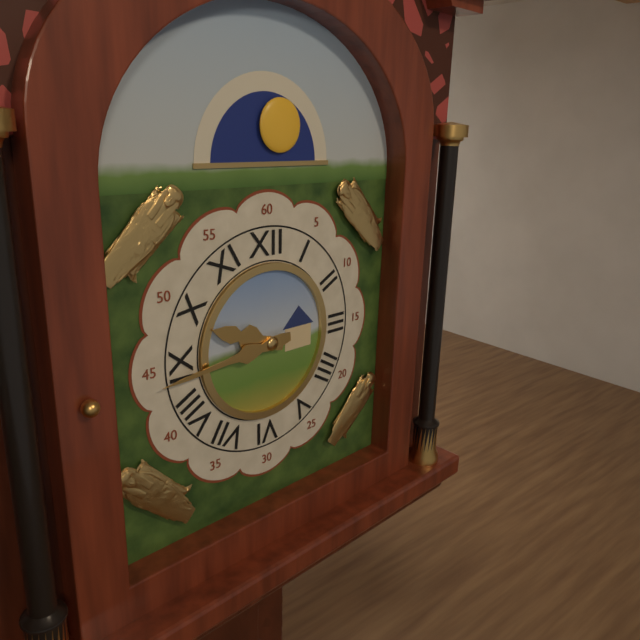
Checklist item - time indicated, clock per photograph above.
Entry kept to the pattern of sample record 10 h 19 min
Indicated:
9 h 44 min
